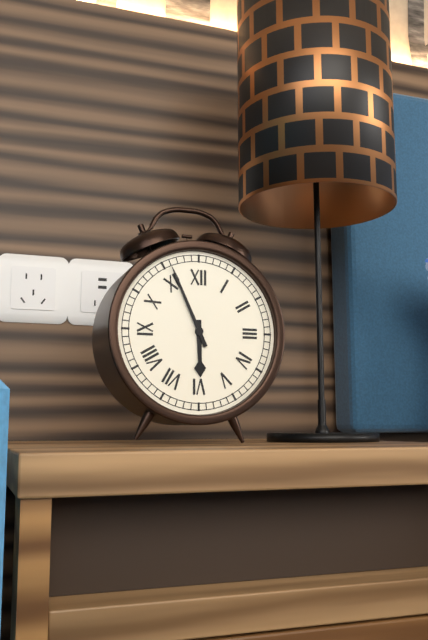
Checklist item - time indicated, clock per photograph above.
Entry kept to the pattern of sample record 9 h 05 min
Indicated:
5 h 56 min
